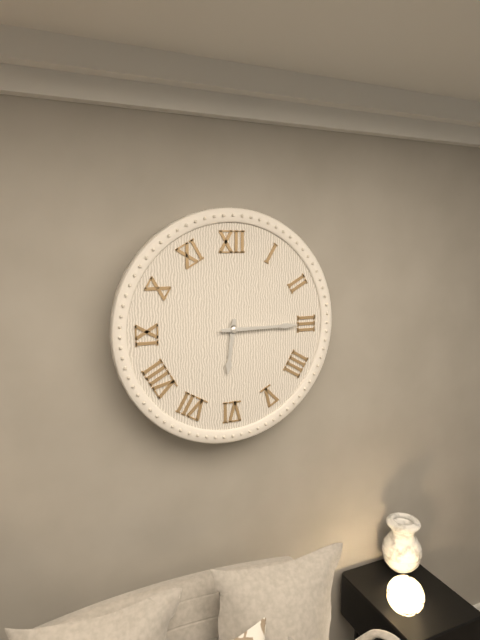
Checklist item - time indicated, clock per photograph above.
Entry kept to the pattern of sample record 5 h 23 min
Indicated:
6 h 15 min
